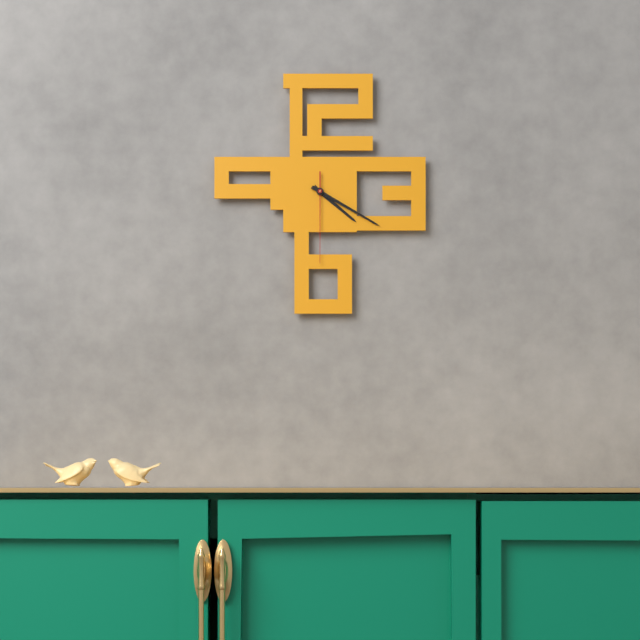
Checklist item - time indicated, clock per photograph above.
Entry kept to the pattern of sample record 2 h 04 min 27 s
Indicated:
4 h 20 min 30 s
